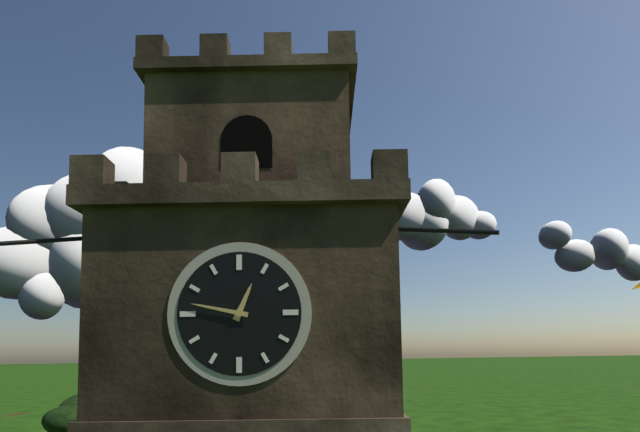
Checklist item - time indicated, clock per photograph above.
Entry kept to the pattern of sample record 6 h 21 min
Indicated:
12 h 47 min
